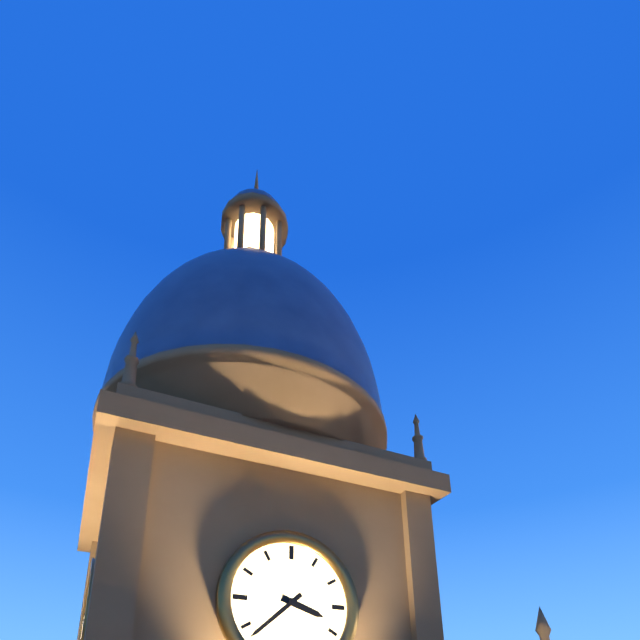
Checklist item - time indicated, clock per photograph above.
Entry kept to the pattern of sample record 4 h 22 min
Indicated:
3 h 38 min
